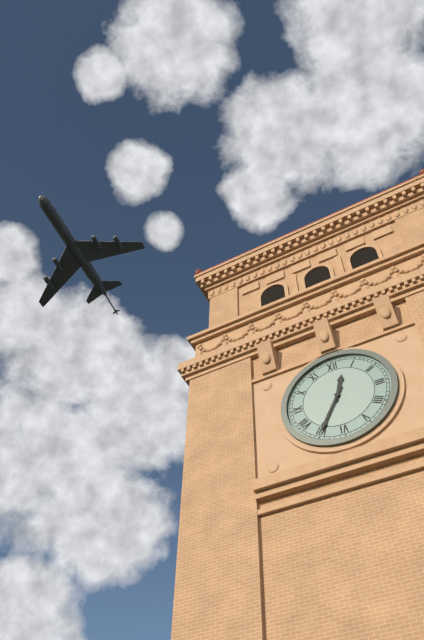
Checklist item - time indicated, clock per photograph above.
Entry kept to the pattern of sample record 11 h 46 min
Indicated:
12 h 35 min
